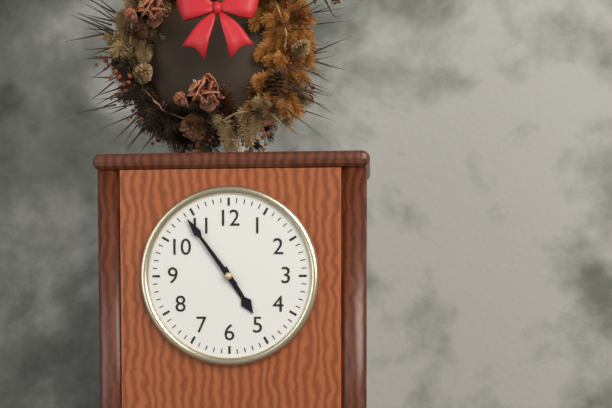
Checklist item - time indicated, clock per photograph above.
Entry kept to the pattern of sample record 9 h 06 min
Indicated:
4 h 54 min
